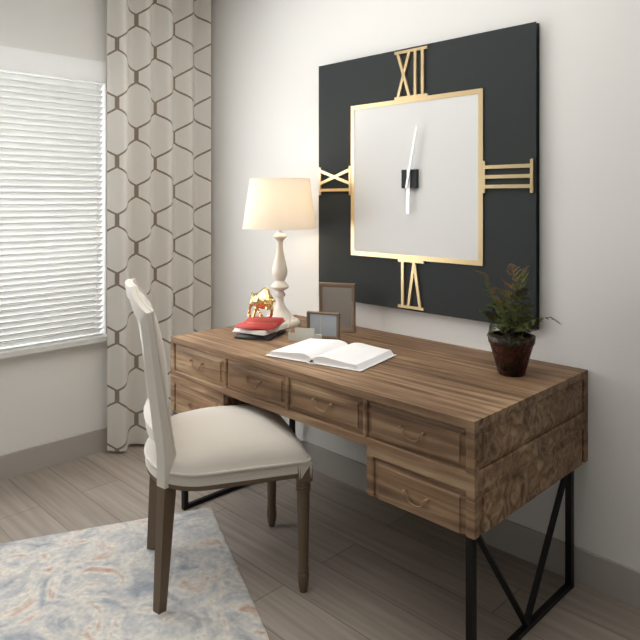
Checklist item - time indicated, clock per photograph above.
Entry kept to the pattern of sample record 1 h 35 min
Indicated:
6 h 02 min
